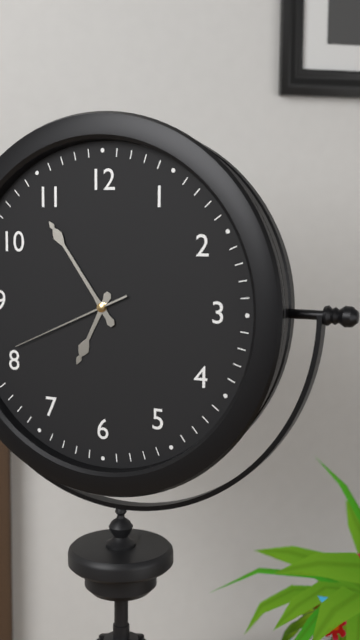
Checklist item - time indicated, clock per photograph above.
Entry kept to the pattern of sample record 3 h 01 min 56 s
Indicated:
6 h 54 min 41 s
